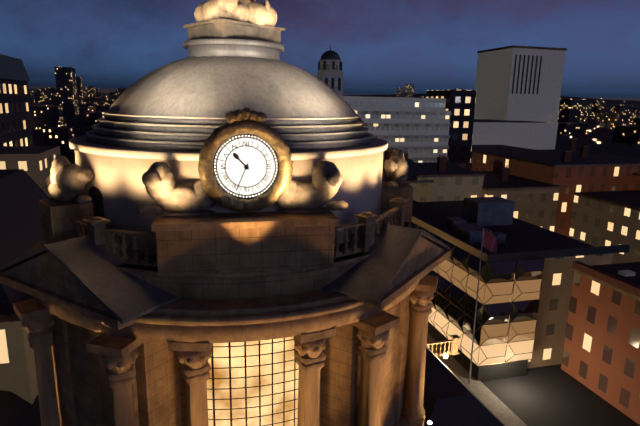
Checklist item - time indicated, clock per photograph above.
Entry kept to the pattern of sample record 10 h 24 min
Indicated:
10 h 34 min
